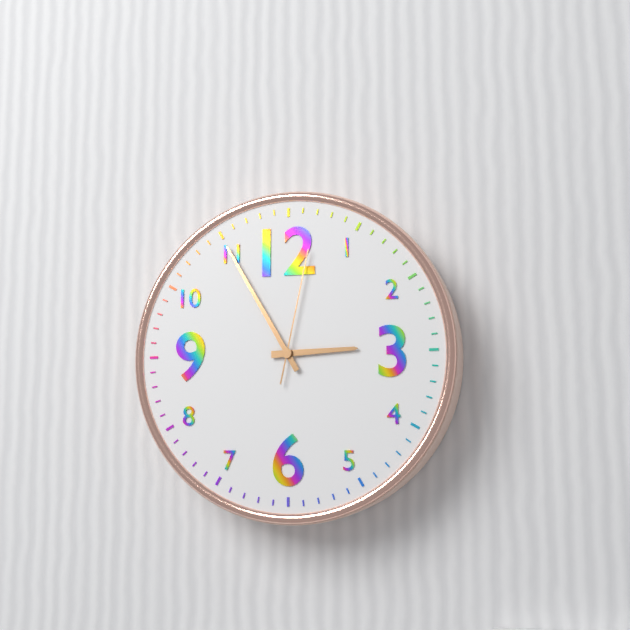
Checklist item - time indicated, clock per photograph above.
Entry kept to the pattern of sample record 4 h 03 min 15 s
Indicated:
2 h 55 min 02 s
